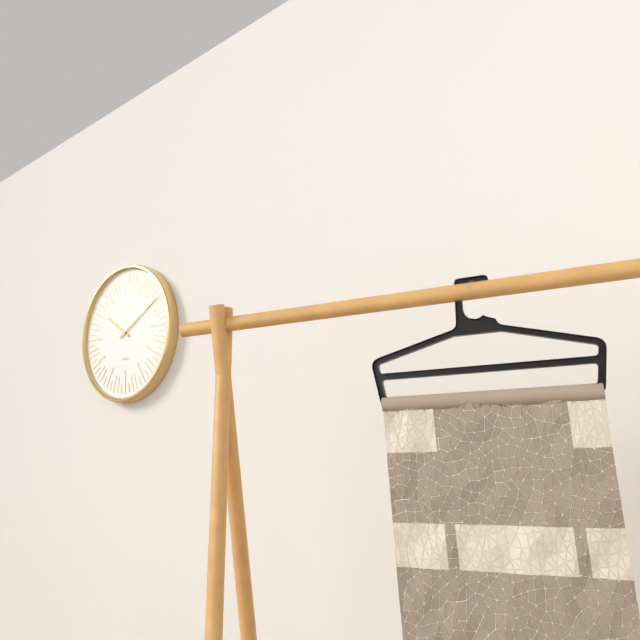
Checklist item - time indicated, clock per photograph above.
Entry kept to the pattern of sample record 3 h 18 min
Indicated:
10 h 10 min
